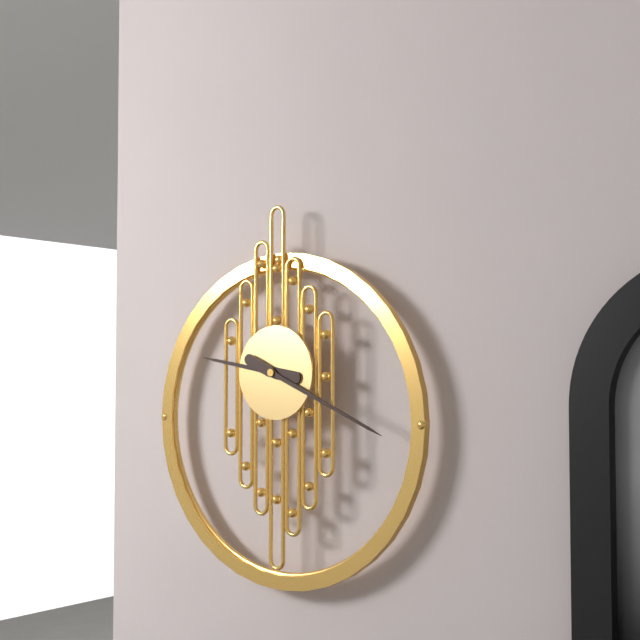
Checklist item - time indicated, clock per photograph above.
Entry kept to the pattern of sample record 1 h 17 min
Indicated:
9 h 19 min
